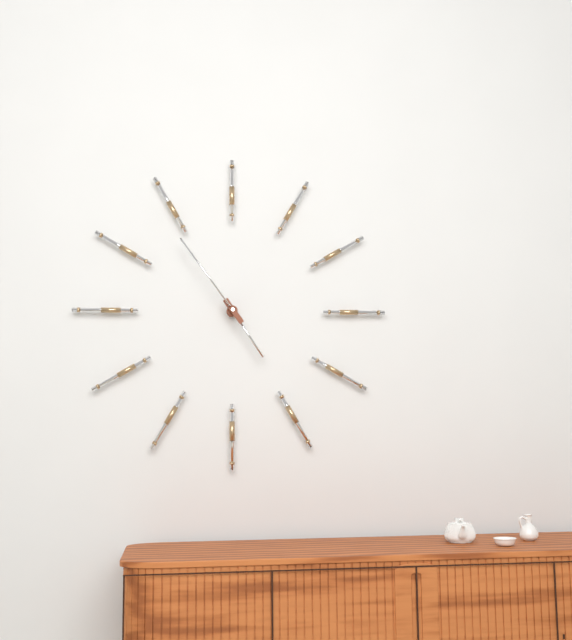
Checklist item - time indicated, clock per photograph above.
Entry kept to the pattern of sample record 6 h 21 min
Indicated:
4 h 54 min
